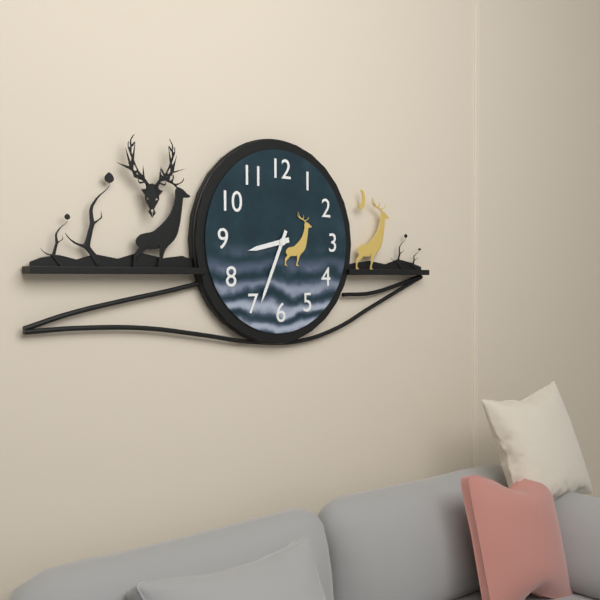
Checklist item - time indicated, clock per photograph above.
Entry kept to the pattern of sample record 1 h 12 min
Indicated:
8 h 34 min
